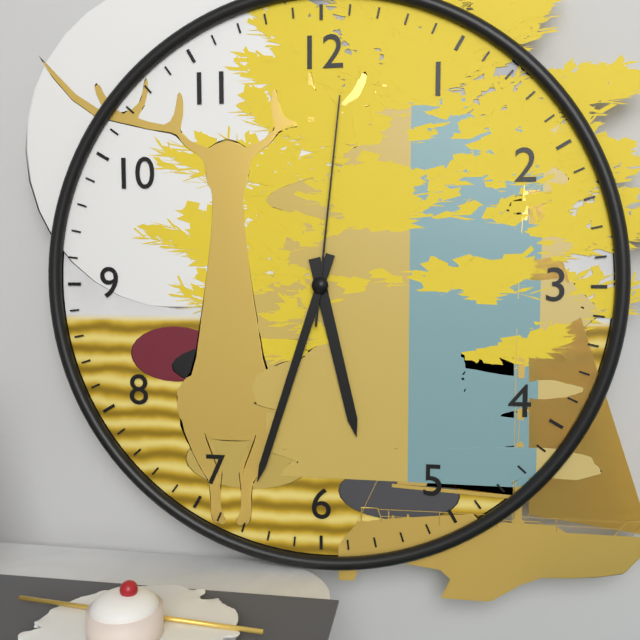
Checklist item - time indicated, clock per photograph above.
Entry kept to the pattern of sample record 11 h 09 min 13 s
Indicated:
5 h 33 min 01 s
